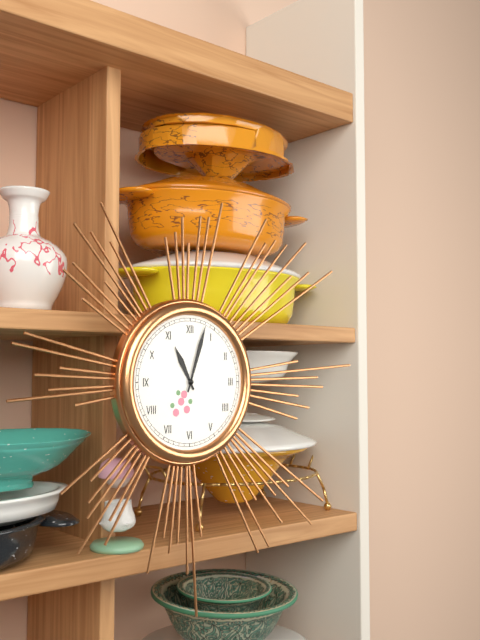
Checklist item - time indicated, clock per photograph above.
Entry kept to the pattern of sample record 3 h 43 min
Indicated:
11 h 03 min
